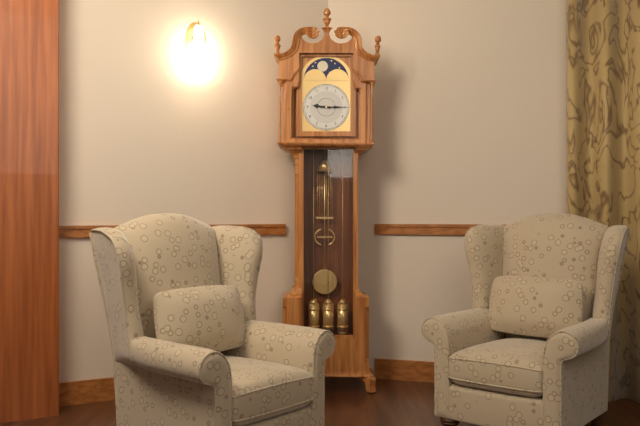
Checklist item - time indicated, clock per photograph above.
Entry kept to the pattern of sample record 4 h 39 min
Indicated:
9 h 15 min
